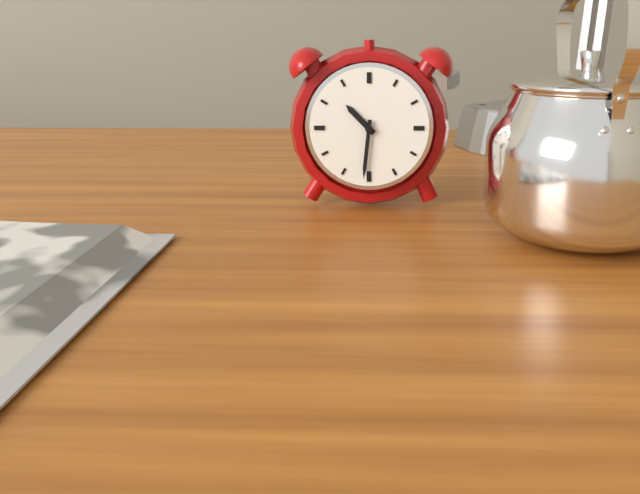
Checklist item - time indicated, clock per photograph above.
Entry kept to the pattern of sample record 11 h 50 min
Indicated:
10 h 31 min
